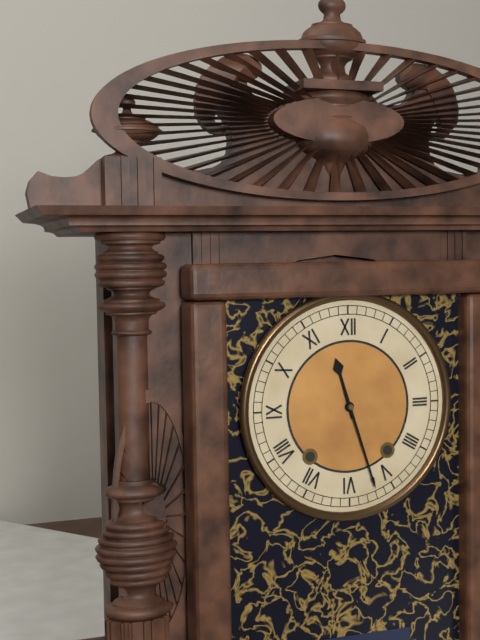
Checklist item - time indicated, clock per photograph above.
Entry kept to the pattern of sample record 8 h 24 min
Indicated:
11 h 27 min
